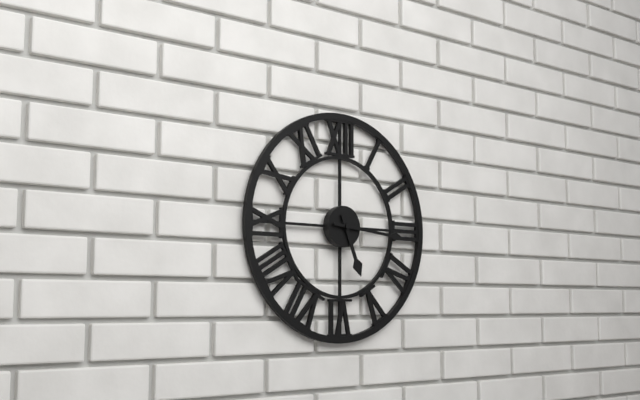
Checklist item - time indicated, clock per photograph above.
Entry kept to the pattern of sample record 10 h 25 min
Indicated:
5 h 16 min
